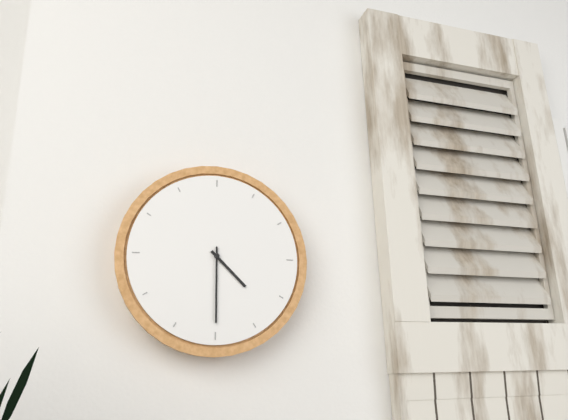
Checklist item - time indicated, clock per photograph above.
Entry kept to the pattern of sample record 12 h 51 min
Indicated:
4 h 30 min
